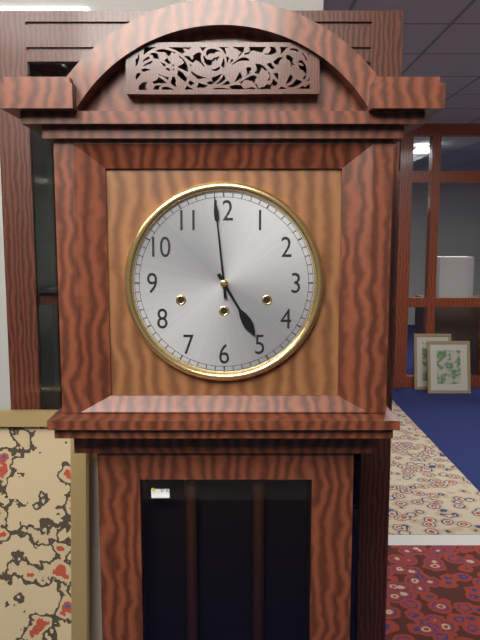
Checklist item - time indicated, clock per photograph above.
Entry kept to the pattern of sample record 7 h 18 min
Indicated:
4 h 59 min
